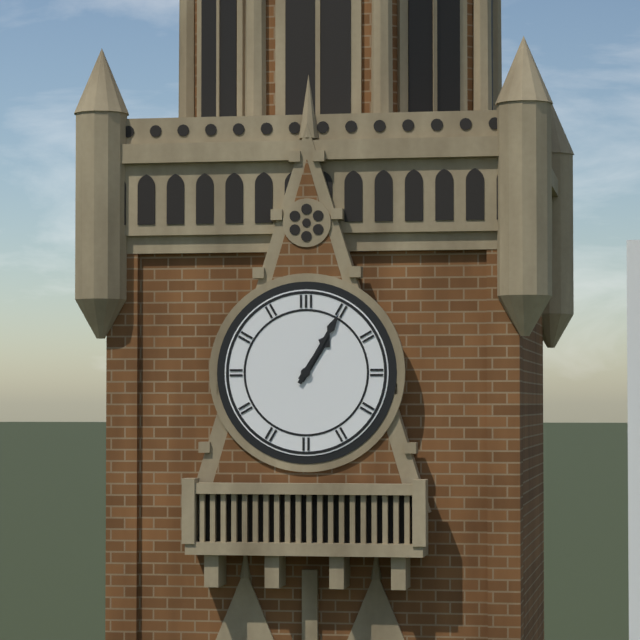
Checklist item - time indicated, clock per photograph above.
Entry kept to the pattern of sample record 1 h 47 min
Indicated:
1 h 05 min
